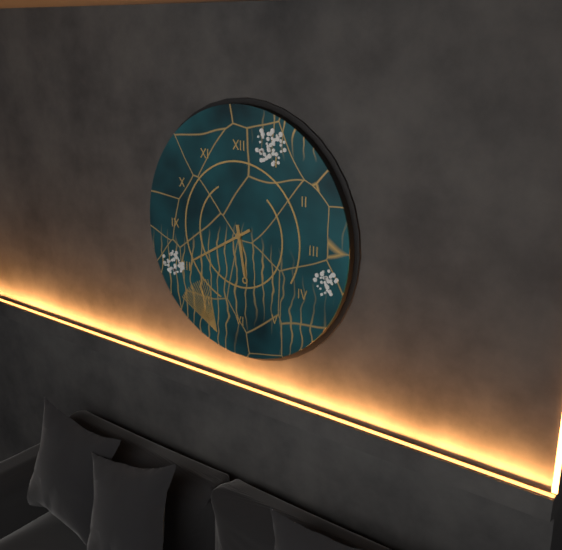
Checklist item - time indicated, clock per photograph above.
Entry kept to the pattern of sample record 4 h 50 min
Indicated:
5 h 40 min
